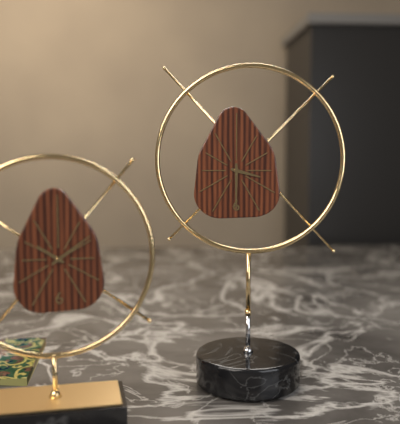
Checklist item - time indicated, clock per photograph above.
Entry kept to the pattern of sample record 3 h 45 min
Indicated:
3 h 30 min
